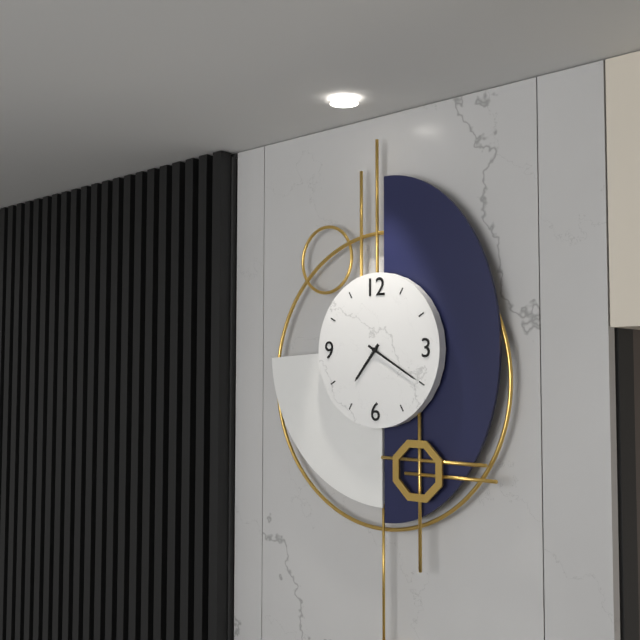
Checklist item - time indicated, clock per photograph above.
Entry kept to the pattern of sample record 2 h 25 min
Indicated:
7 h 20 min
